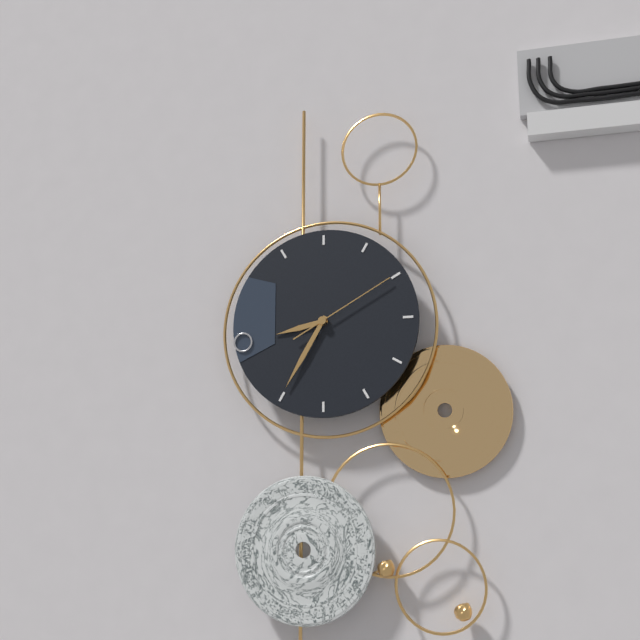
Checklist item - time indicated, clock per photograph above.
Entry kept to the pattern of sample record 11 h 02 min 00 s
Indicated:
8 h 35 min 10 s
